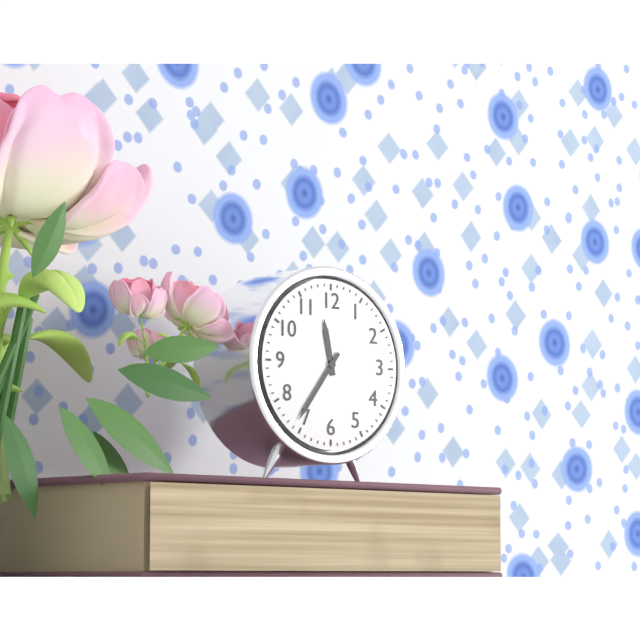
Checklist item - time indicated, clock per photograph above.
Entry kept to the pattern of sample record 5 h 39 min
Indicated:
11 h 36 min
